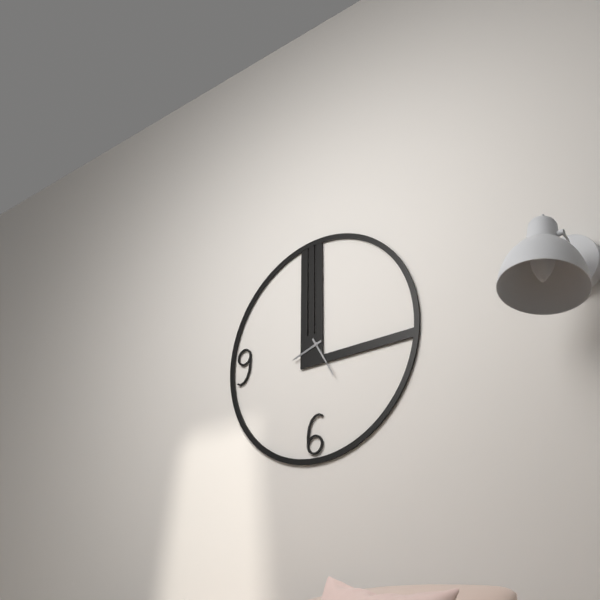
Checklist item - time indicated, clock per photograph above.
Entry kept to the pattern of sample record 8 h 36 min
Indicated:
8 h 25 min
